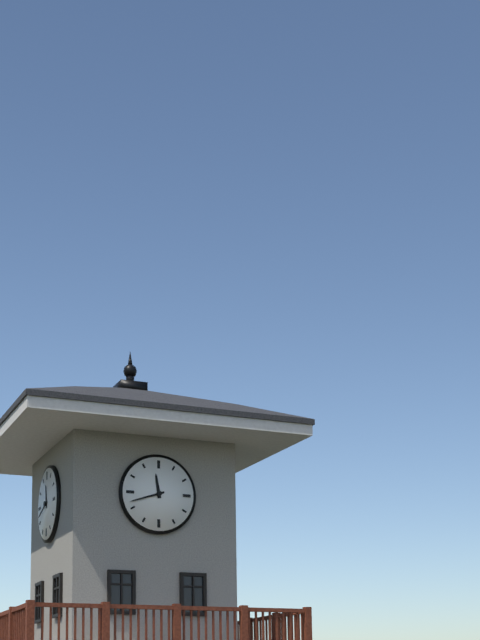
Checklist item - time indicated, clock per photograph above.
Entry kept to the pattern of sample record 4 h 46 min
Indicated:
11 h 42 min
